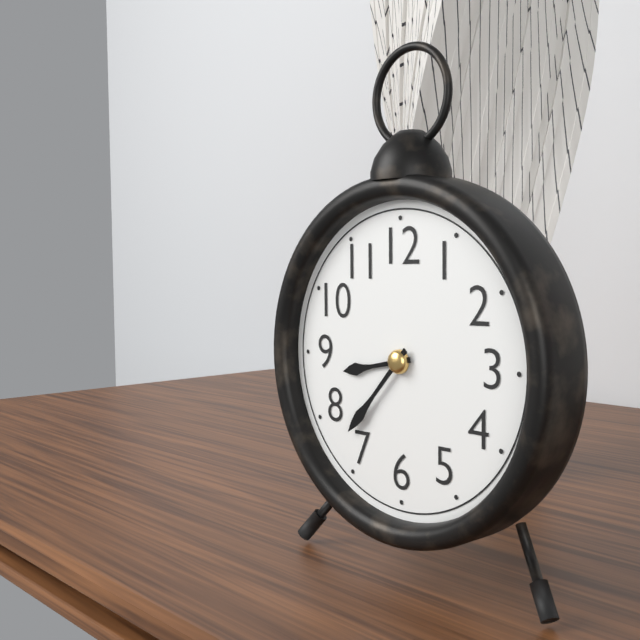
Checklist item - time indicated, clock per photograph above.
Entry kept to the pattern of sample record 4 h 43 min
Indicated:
8 h 37 min
